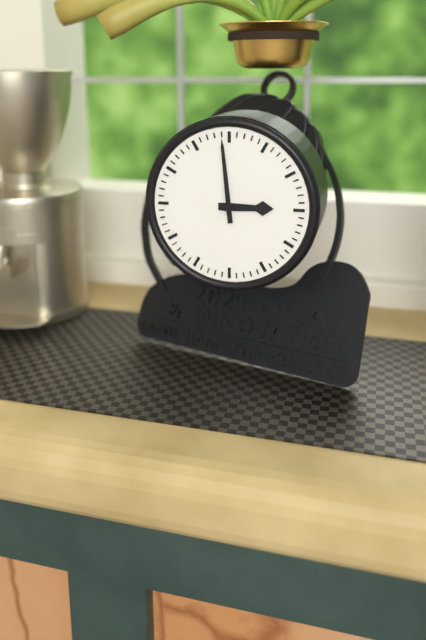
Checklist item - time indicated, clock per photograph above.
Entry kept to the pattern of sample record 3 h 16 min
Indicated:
2 h 59 min
